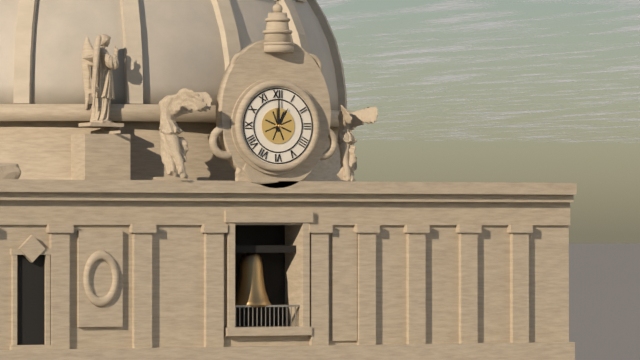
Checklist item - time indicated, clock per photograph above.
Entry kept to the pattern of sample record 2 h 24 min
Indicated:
1 h 00 min
